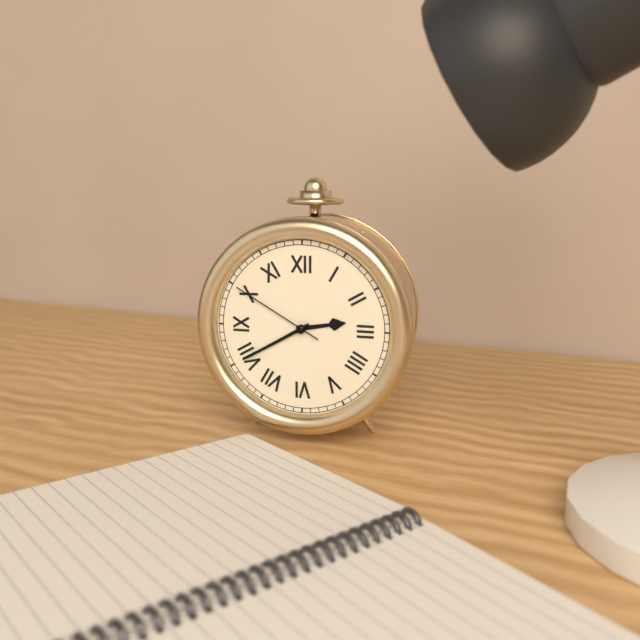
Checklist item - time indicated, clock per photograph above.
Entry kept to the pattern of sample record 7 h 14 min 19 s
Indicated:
2 h 40 min 50 s
